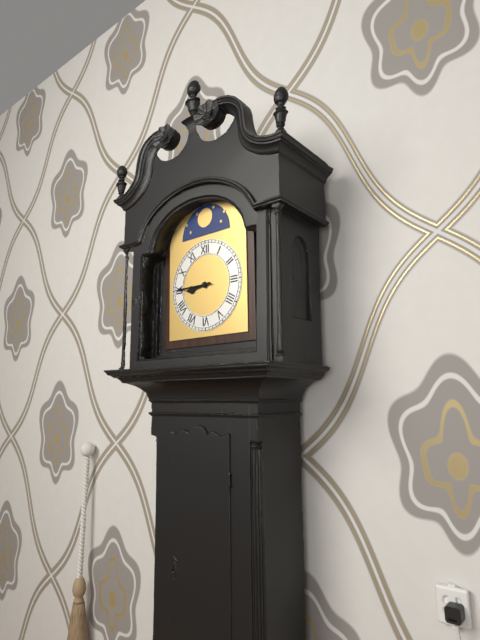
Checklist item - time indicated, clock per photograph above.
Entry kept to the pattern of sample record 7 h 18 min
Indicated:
8 h 45 min
